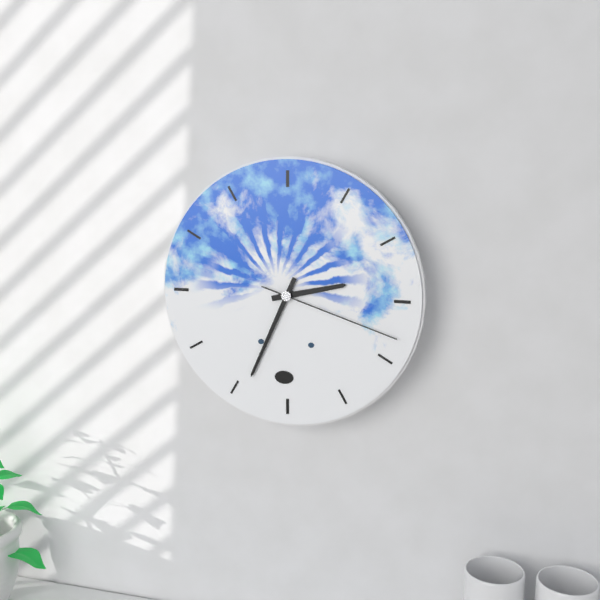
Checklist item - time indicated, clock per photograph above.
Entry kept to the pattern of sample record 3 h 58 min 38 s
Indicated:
2 h 34 min 18 s
